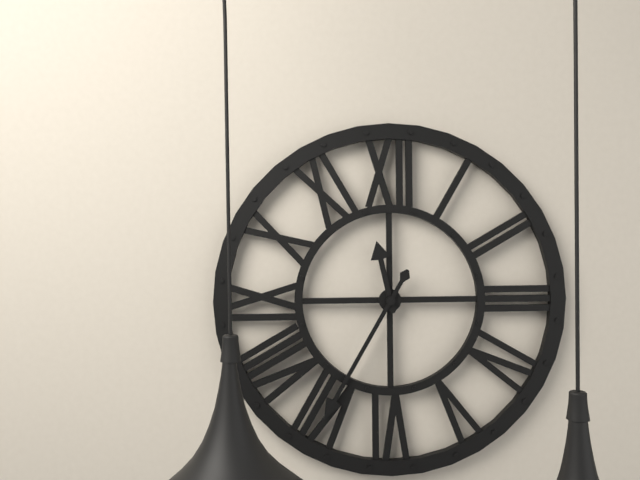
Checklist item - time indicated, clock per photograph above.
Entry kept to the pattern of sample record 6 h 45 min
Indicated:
11 h 35 min
